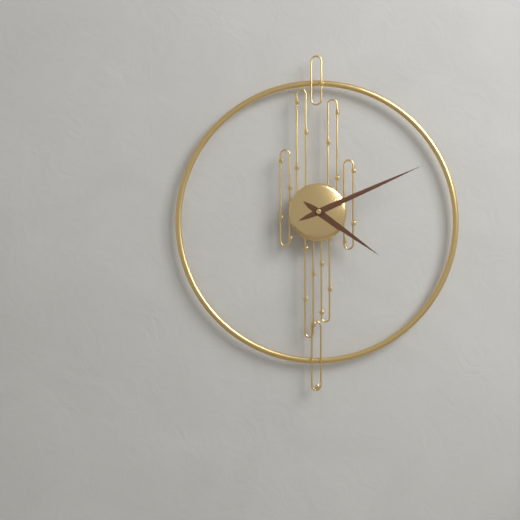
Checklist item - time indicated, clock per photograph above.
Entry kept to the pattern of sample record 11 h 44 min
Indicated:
4 h 11 min
